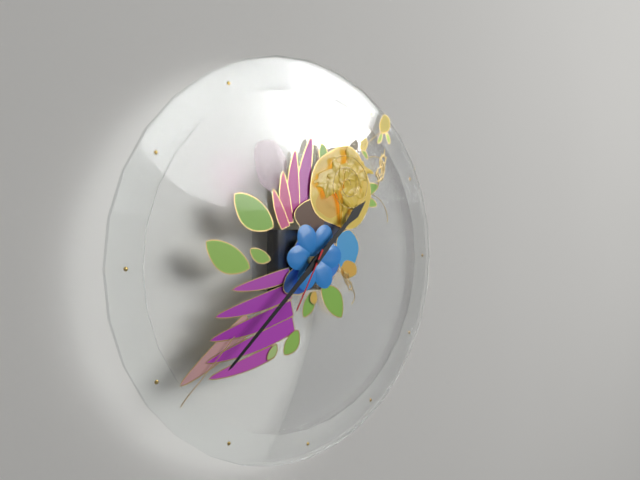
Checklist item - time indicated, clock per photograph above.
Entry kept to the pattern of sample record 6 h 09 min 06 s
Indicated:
1 h 38 min 35 s
